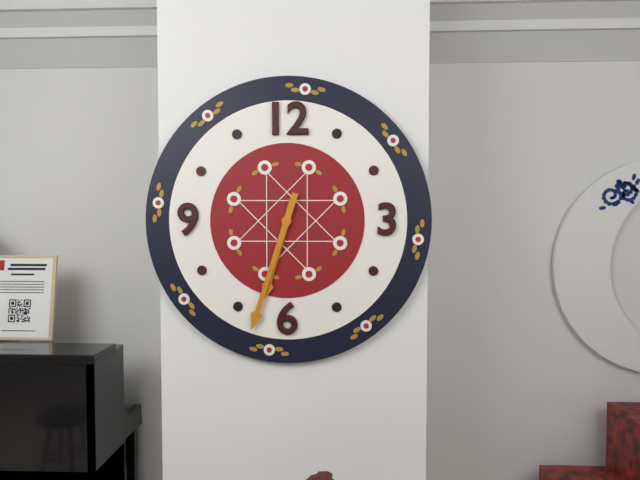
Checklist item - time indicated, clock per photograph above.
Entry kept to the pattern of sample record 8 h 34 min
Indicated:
6 h 33 min
